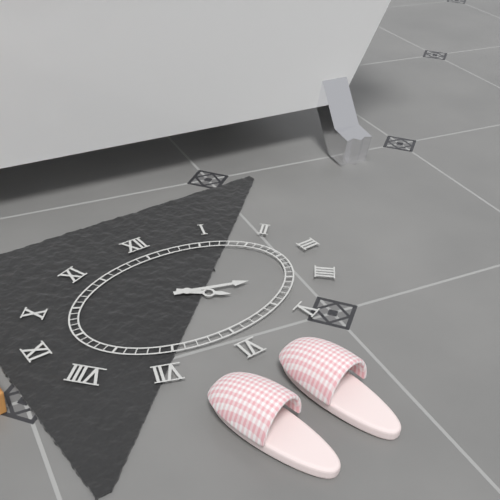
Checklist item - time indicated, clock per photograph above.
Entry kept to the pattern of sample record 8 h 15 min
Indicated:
4 h 18 min
